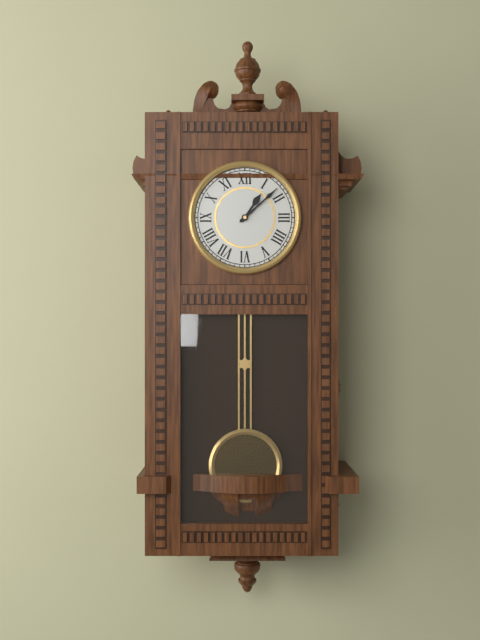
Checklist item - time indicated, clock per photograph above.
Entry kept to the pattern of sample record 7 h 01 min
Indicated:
1 h 08 min
